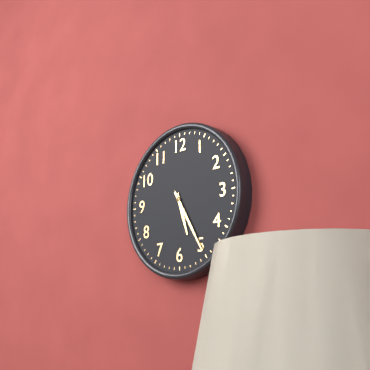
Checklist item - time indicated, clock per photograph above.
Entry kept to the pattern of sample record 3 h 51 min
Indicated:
5 h 25 min
